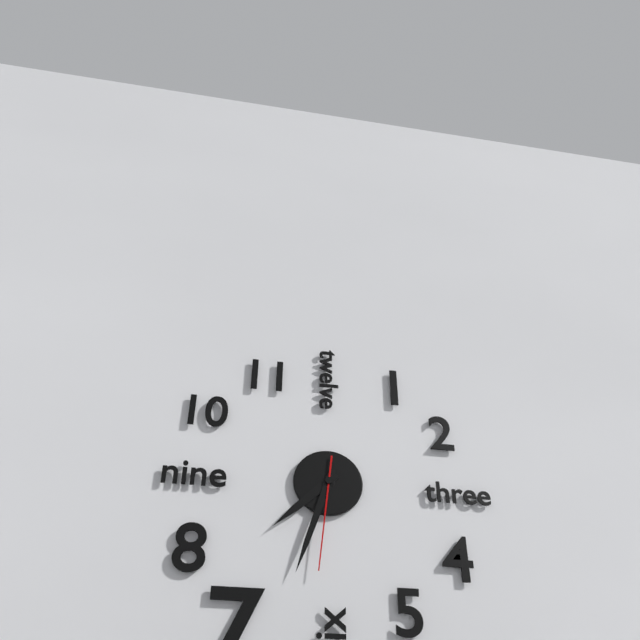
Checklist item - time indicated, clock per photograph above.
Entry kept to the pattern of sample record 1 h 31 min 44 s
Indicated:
7 h 33 min 31 s
